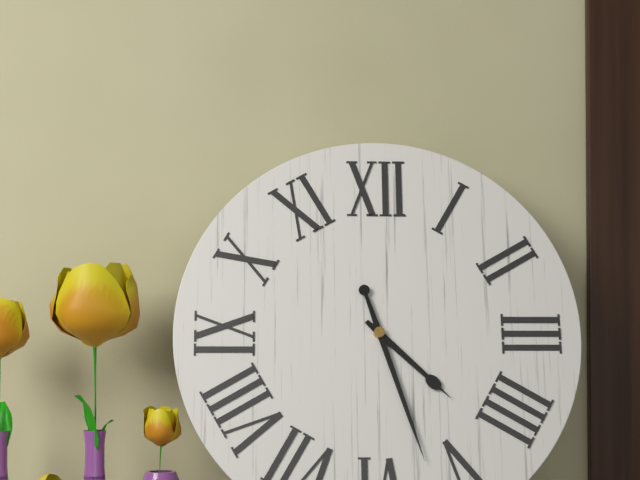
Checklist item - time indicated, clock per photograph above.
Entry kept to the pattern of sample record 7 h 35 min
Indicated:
4 h 27 min
